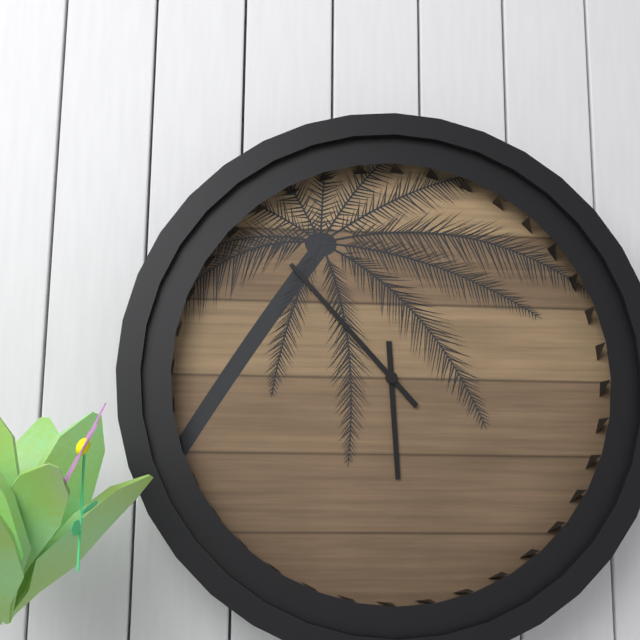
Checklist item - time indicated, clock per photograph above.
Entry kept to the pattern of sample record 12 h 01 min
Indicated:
5 h 53 min
